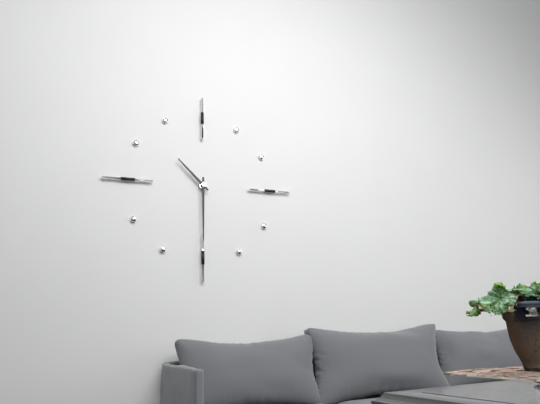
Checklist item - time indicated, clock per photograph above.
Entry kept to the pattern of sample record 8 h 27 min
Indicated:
10 h 30 min
